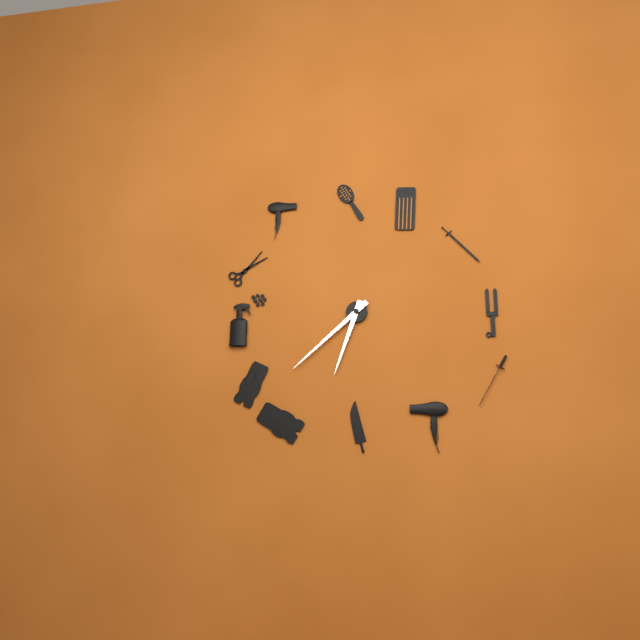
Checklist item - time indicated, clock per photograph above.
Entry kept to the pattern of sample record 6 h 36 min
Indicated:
6 h 38 min
